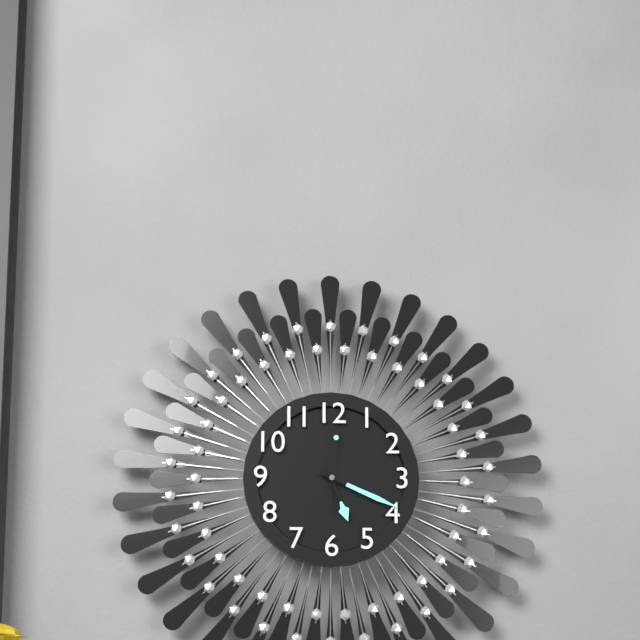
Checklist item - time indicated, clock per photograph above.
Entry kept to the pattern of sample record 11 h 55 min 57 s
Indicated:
5 h 19 min 01 s
